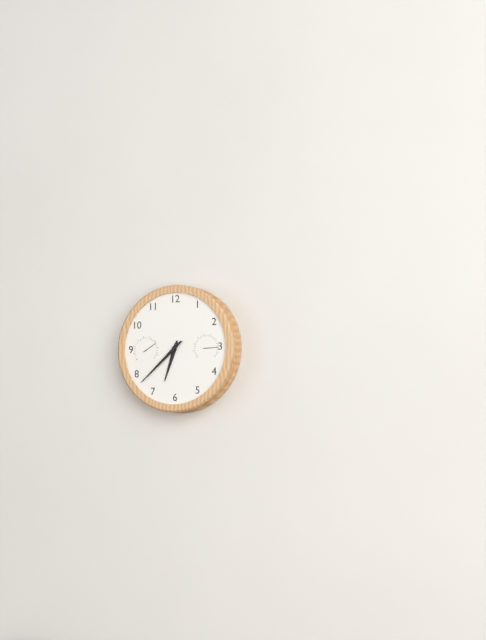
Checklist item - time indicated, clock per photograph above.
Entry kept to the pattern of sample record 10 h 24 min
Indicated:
6 h 38 min
